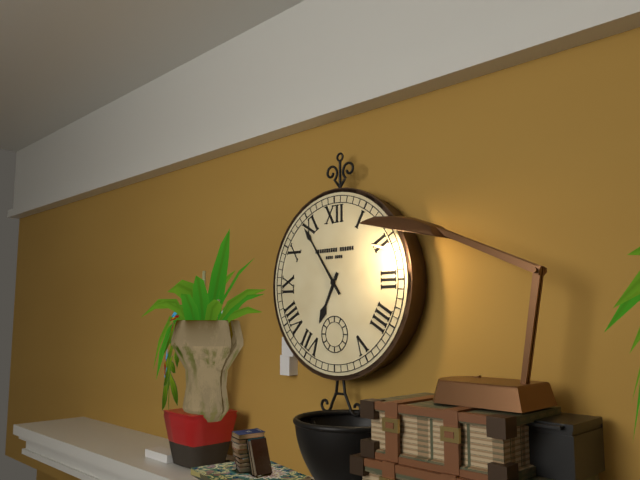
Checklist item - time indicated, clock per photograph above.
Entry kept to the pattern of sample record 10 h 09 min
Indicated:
6 h 54 min
